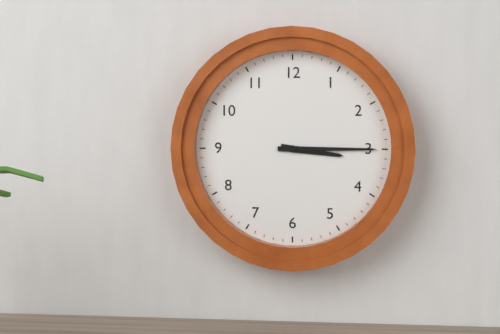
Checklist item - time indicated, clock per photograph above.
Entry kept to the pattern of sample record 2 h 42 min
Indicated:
3 h 15 min
